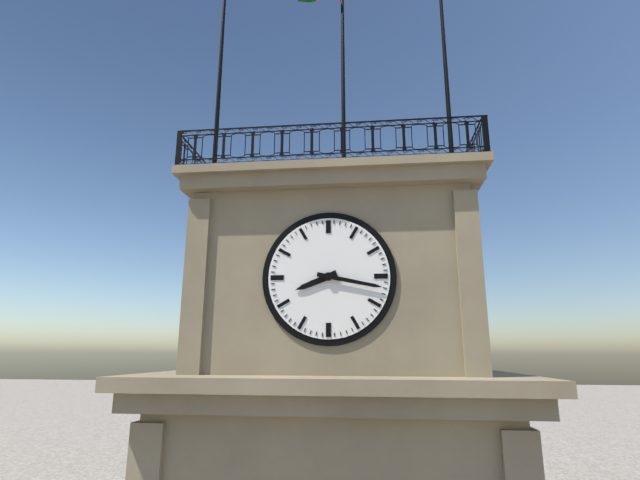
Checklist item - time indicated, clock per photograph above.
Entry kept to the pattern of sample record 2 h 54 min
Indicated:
8 h 17 min
